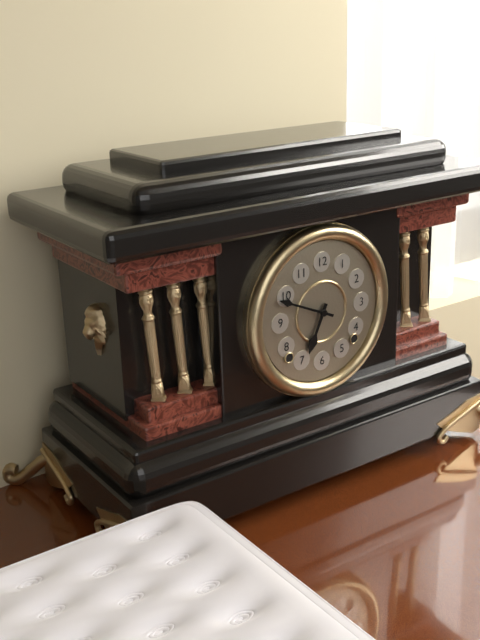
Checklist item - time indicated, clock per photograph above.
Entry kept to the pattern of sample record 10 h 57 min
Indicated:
6 h 49 min
